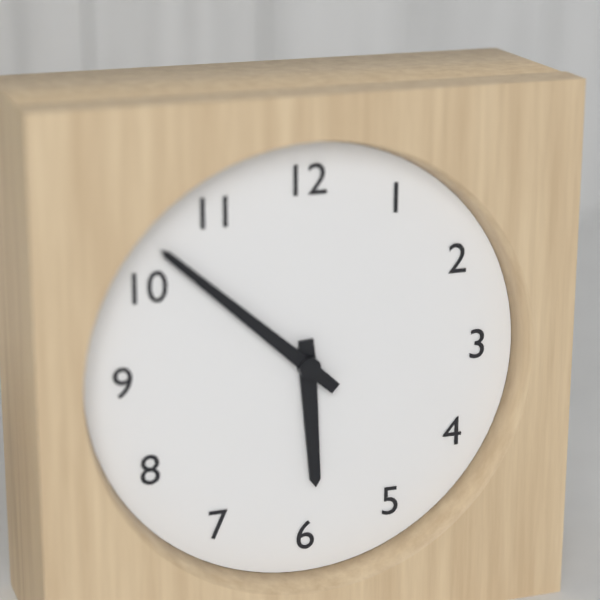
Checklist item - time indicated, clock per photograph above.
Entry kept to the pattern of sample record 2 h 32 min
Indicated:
5 h 52 min
